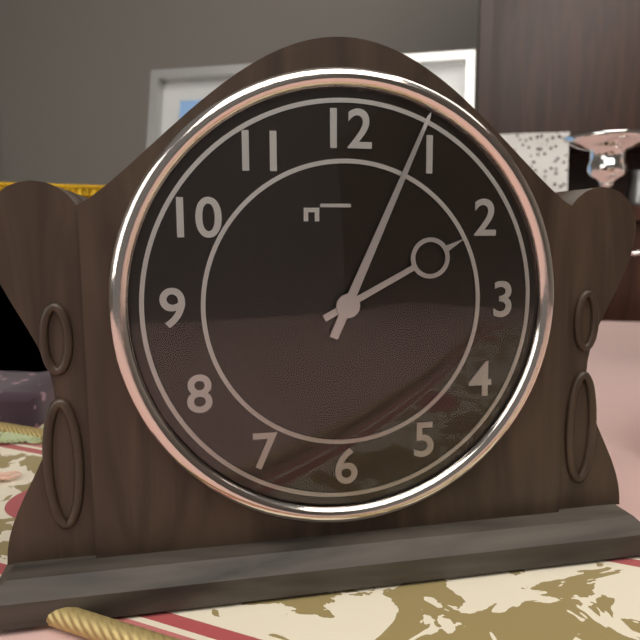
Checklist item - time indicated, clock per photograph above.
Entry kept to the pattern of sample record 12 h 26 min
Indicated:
2 h 04 min
